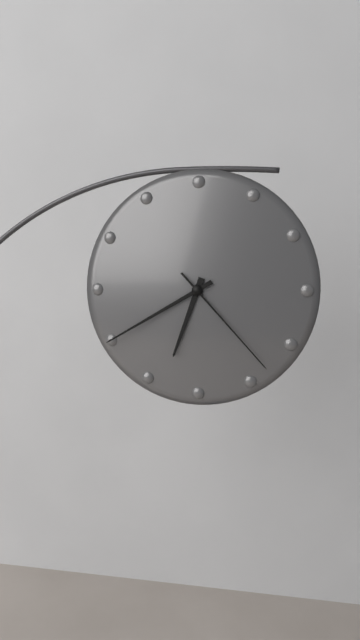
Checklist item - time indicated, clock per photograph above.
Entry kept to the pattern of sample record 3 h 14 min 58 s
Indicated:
6 h 40 min 23 s
